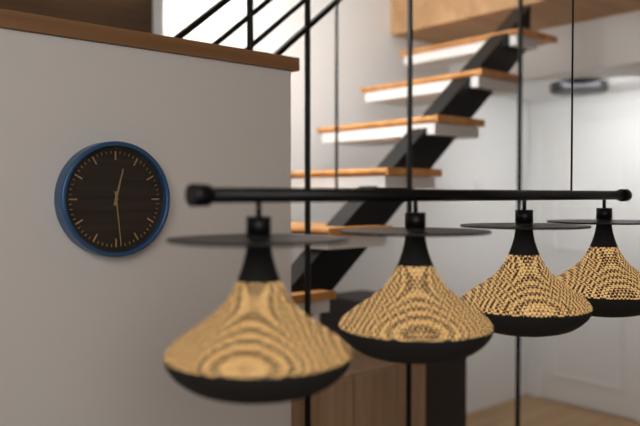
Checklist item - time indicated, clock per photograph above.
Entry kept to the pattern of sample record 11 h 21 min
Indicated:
12 h 29 min
